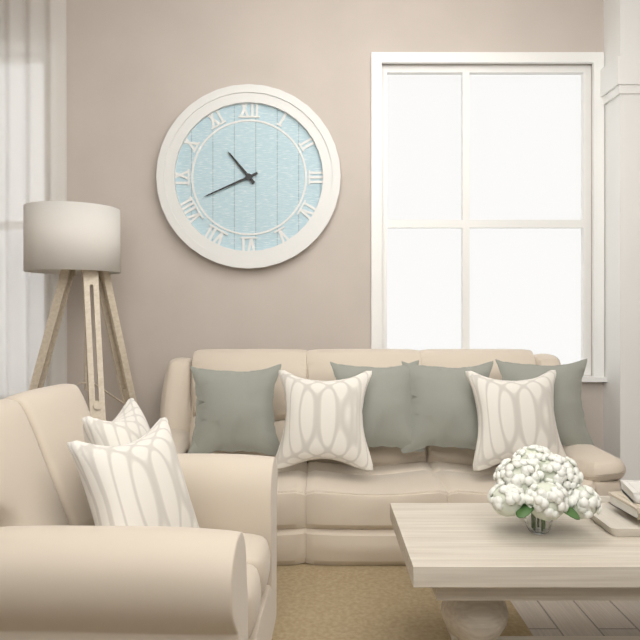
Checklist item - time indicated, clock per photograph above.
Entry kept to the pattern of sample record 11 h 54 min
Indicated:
10 h 41 min
